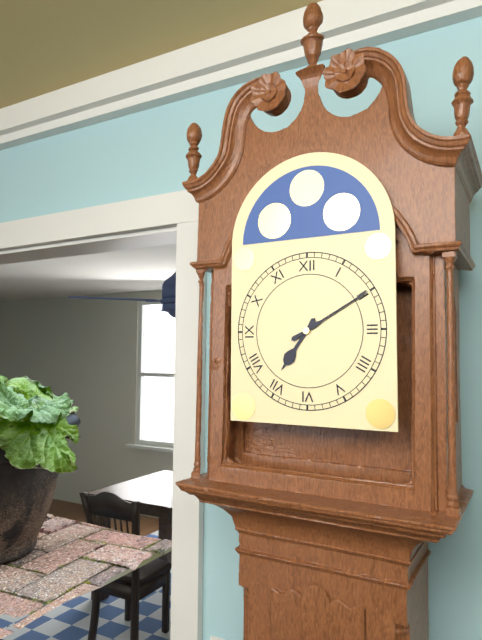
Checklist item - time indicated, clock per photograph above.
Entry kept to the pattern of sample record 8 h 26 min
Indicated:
7 h 10 min
